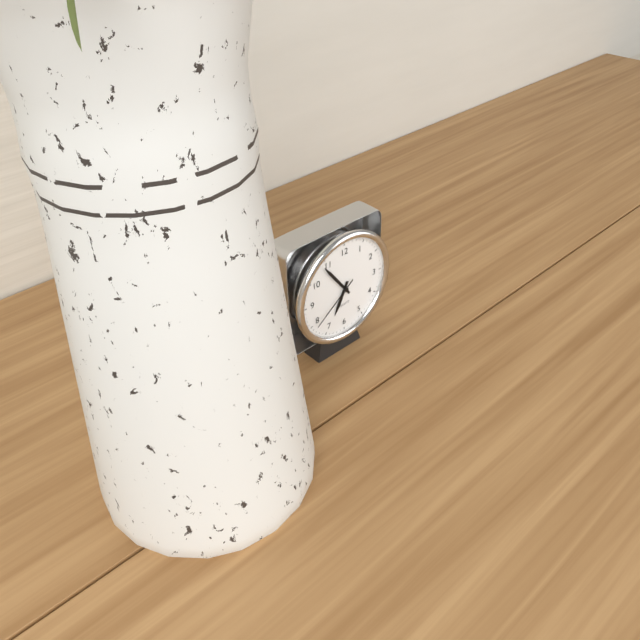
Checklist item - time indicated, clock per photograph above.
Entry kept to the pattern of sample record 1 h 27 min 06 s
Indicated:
6 h 54 min 39 s
